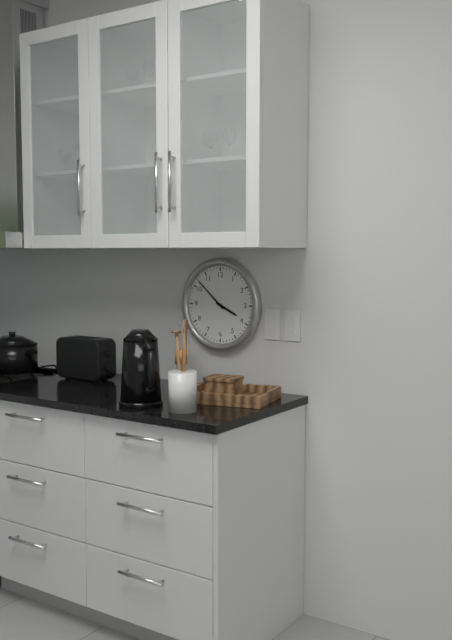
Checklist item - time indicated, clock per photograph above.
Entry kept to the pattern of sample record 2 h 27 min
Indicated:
3 h 52 min
